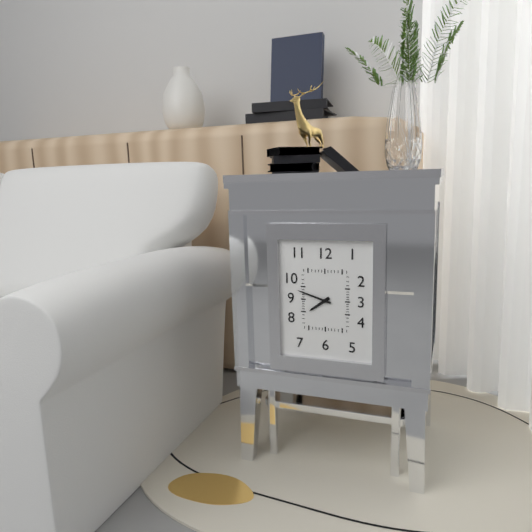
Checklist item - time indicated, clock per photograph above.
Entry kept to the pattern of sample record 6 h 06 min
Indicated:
7 h 48 min
